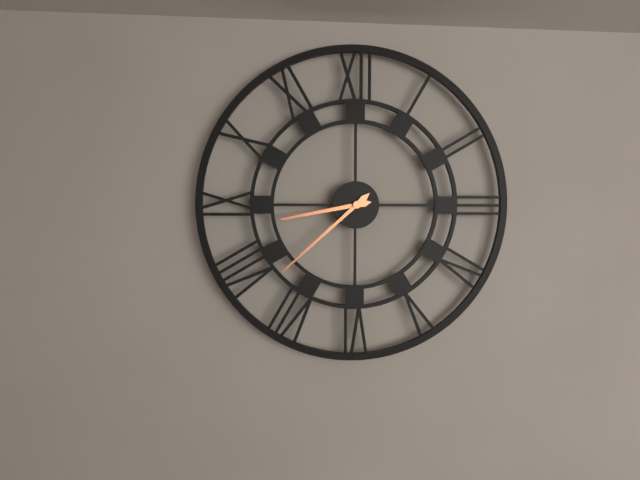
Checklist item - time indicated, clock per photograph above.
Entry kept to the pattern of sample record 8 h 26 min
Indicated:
8 h 38 min
